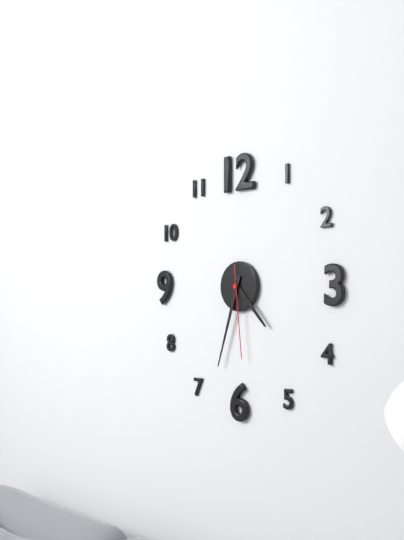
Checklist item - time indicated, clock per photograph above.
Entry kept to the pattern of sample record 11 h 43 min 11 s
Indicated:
4 h 33 min 29 s
